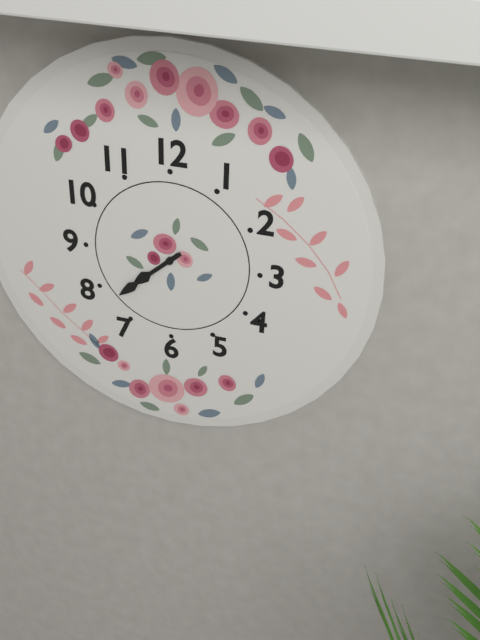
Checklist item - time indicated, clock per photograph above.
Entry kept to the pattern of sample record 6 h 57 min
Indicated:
7 h 38 min
